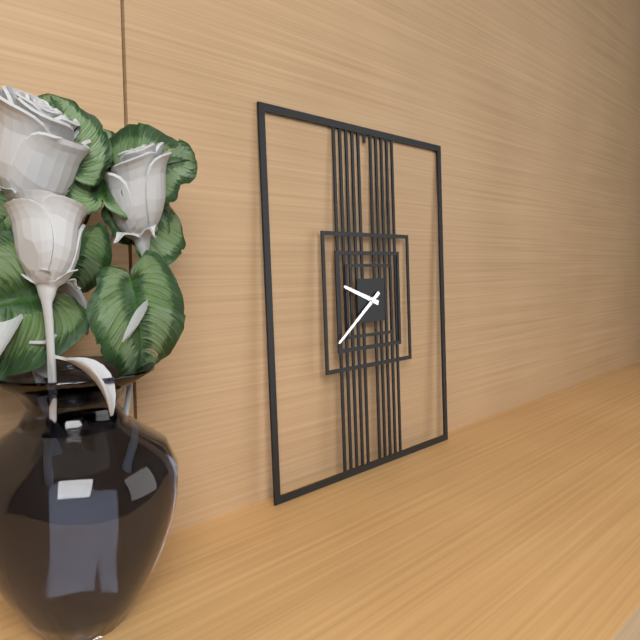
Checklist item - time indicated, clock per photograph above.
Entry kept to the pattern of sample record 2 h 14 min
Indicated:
9 h 39 min
